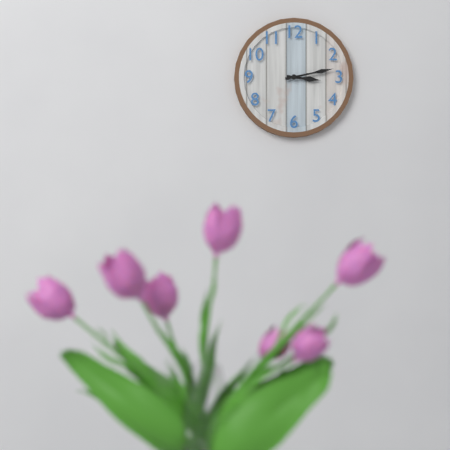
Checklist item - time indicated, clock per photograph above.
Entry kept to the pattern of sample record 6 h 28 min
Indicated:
3 h 13 min
